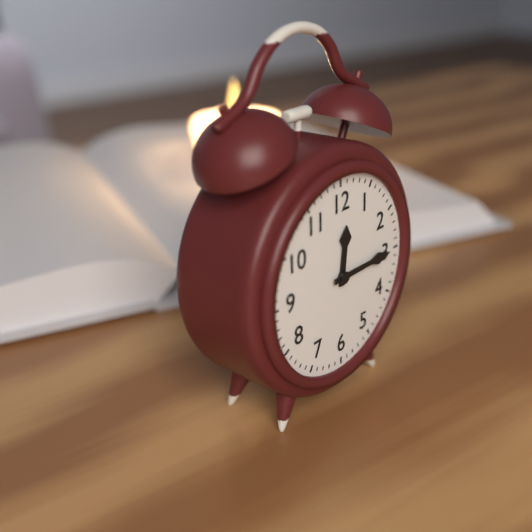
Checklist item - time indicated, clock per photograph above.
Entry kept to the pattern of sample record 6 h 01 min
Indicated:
12 h 15 min
